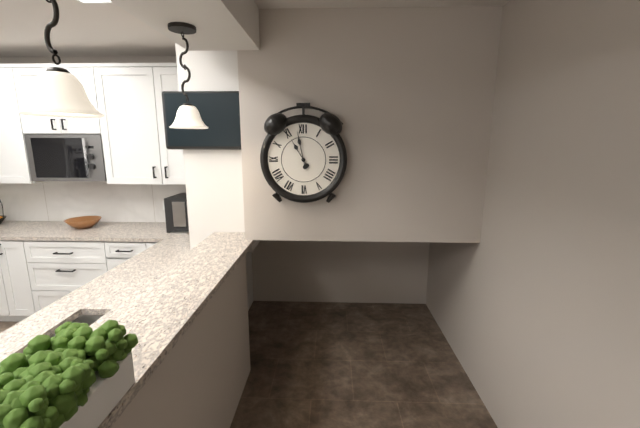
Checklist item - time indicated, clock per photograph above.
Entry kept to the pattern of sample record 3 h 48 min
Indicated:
10 h 58 min
